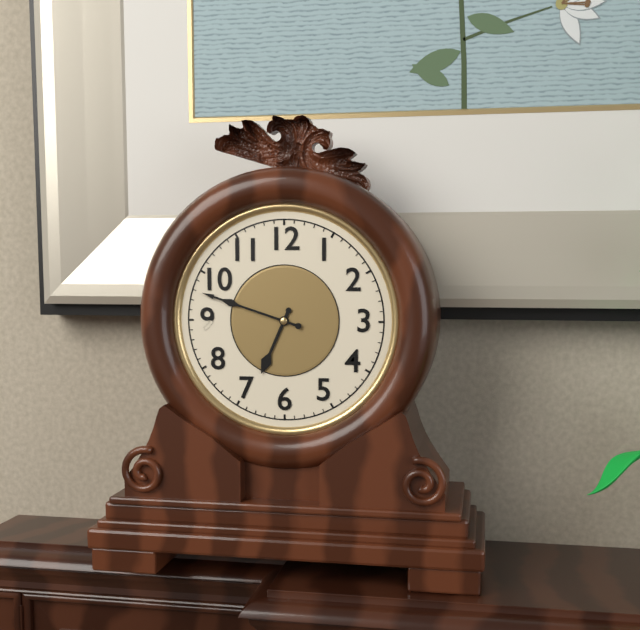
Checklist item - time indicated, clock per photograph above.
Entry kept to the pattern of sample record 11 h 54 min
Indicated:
6 h 48 min
